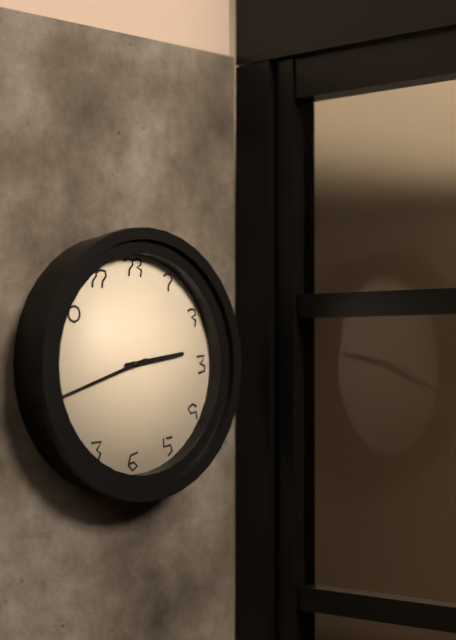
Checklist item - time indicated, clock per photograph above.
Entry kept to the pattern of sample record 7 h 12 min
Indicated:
2 h 42 min
